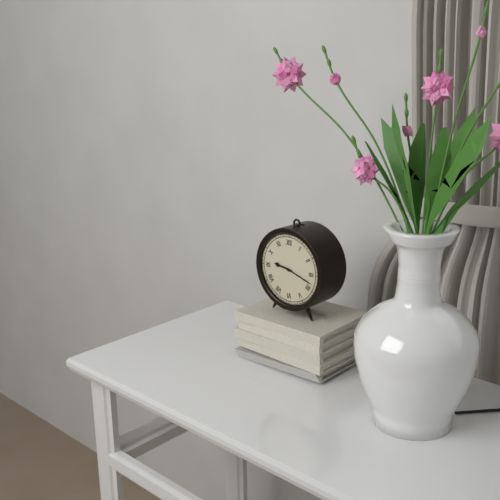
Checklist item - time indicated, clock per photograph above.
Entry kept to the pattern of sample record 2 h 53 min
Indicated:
9 h 18 min
